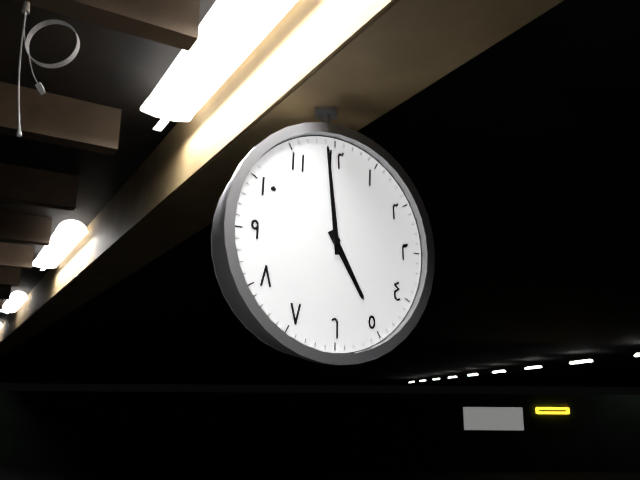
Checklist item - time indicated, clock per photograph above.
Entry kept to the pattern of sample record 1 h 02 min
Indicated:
4 h 59 min
